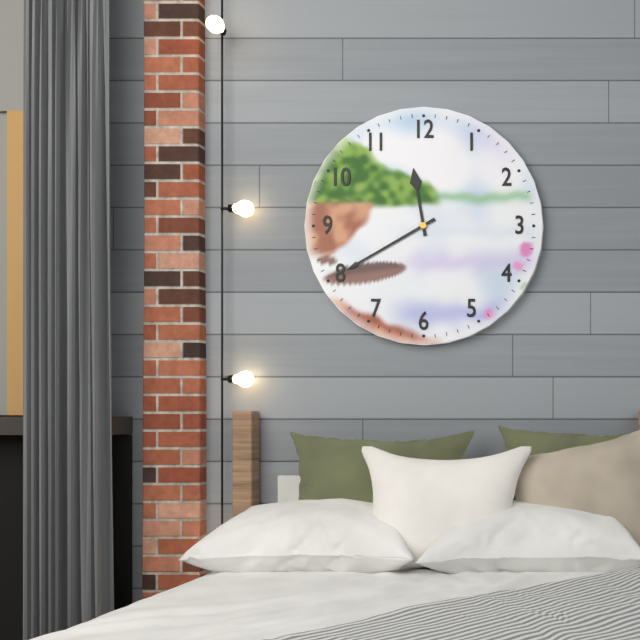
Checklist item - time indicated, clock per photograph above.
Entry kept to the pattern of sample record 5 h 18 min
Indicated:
11 h 40 min
